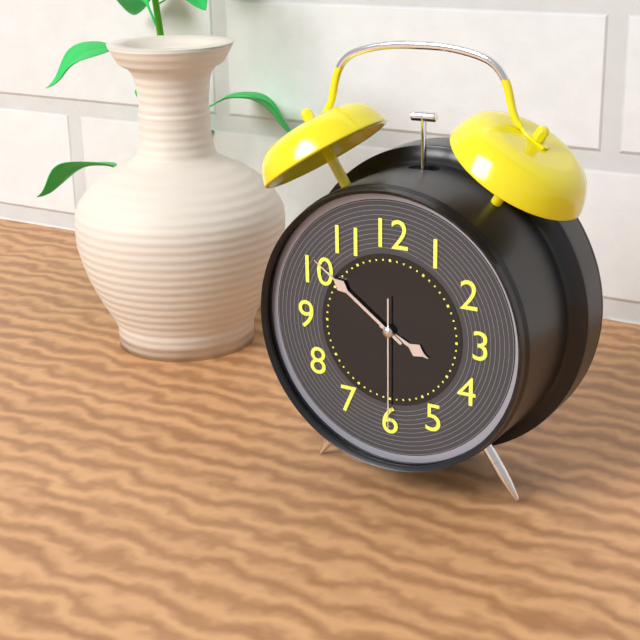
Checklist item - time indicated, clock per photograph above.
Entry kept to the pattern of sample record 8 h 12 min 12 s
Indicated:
3 h 51 min 30 s
